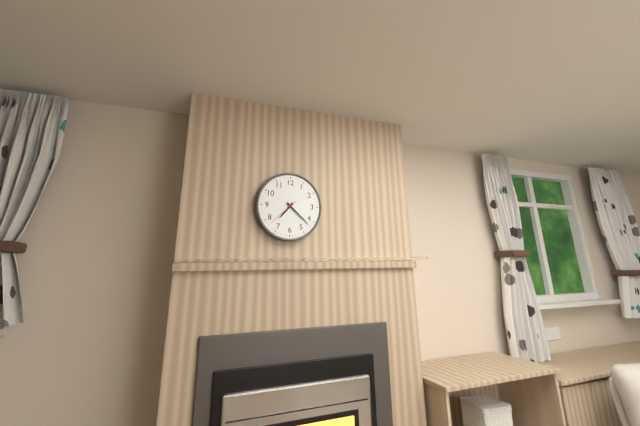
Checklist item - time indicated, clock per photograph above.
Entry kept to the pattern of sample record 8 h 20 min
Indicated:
7 h 22 min
